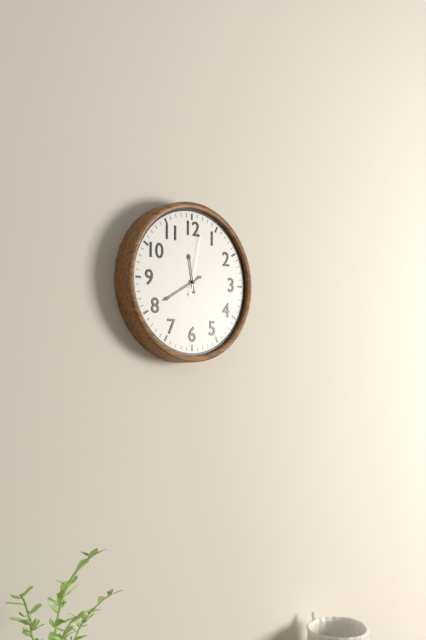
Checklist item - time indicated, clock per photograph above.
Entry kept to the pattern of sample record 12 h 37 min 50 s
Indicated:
11 h 40 min 02 s
